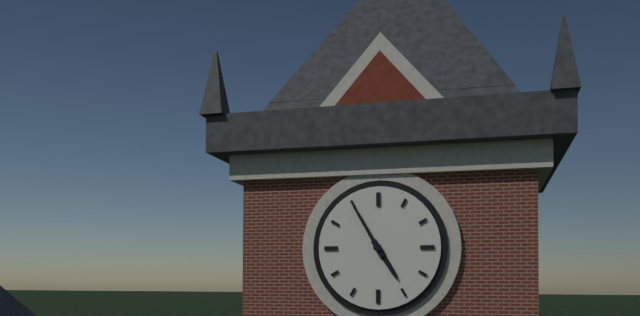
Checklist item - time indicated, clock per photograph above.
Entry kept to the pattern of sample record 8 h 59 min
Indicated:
4 h 55 min
